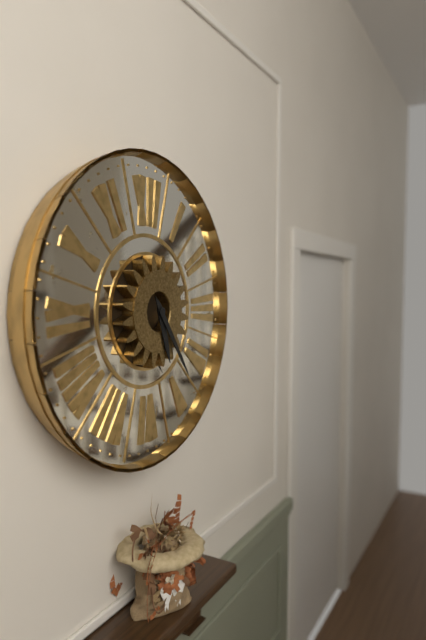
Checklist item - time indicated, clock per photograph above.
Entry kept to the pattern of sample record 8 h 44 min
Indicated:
5 h 24 min
